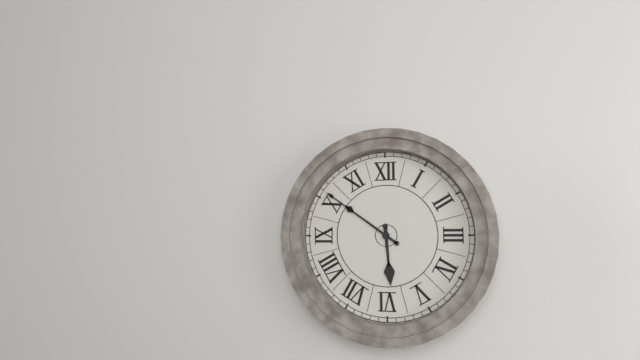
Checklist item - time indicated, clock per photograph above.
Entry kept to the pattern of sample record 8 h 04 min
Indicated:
5 h 51 min
